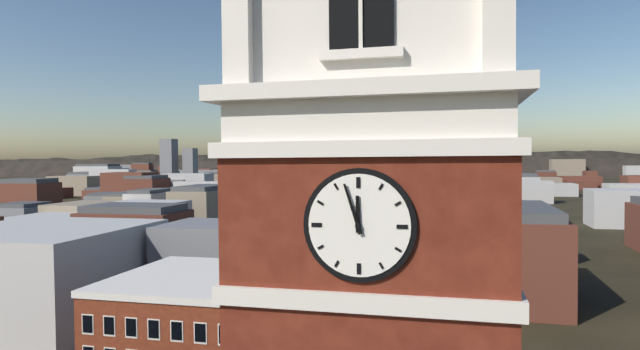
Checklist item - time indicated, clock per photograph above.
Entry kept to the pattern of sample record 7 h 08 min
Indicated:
11 h 57 min
